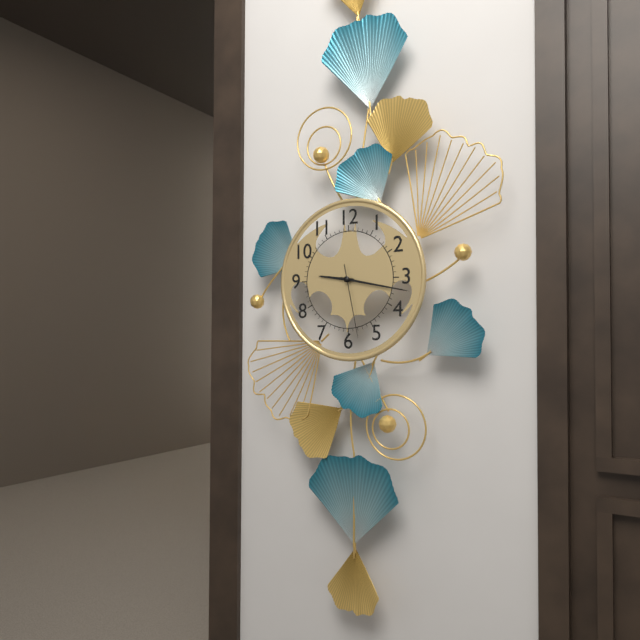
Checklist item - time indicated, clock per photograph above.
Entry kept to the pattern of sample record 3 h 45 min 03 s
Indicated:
9 h 17 min 28 s
